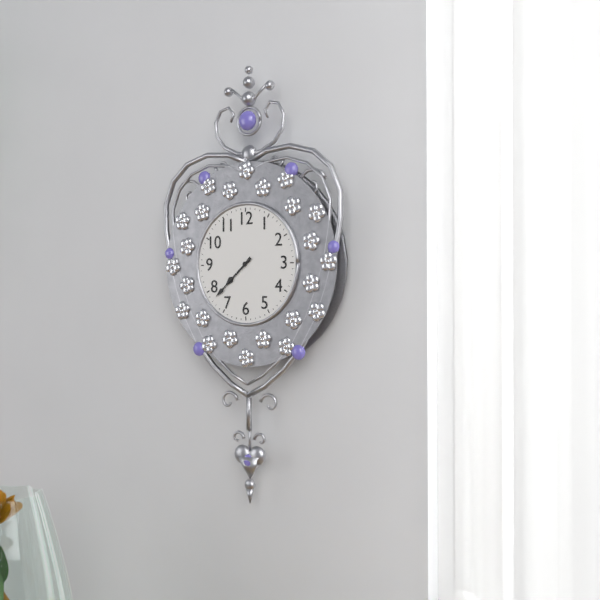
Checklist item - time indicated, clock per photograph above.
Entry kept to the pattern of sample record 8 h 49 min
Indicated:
7 h 38 min
